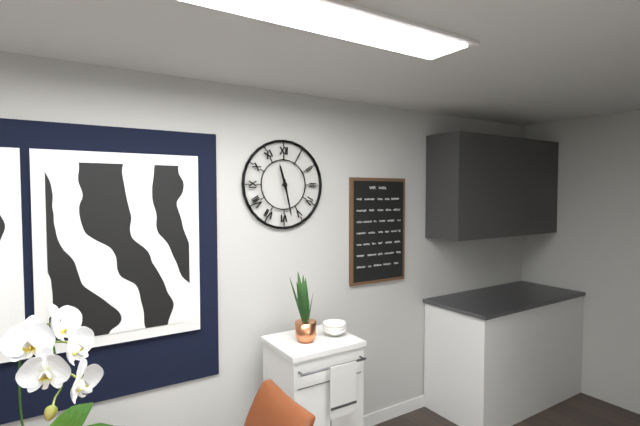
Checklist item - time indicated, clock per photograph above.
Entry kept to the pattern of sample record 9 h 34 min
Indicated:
11 h 28 min
